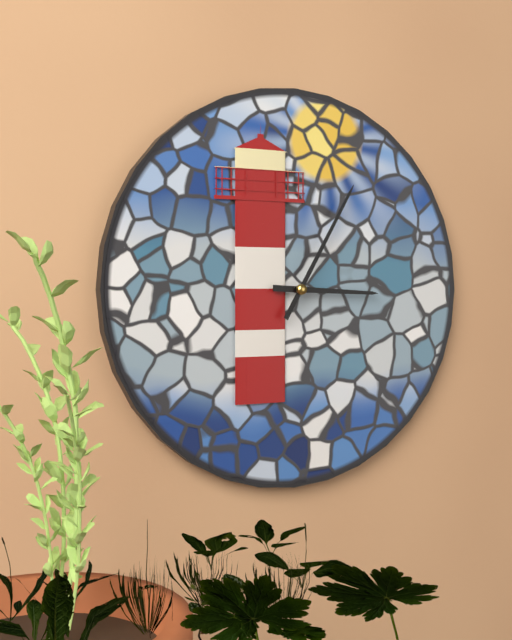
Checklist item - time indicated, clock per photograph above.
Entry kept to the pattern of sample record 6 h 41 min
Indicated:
3 h 05 min
